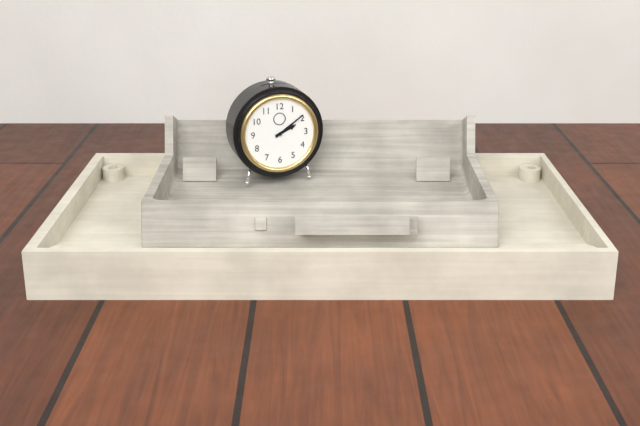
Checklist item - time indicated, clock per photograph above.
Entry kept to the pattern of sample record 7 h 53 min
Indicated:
2 h 09 min
